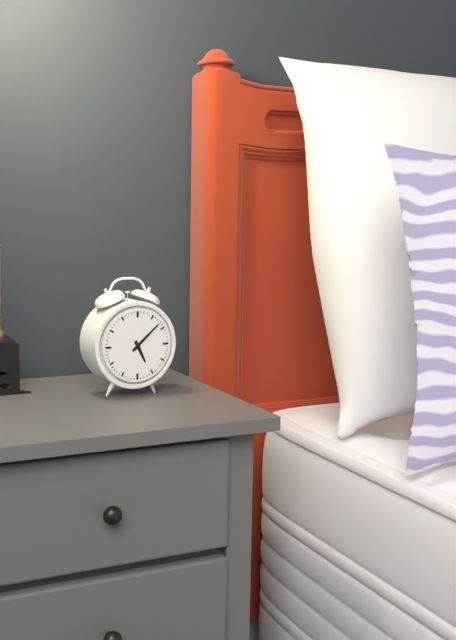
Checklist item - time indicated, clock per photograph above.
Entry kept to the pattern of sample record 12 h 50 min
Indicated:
5 h 08 min
